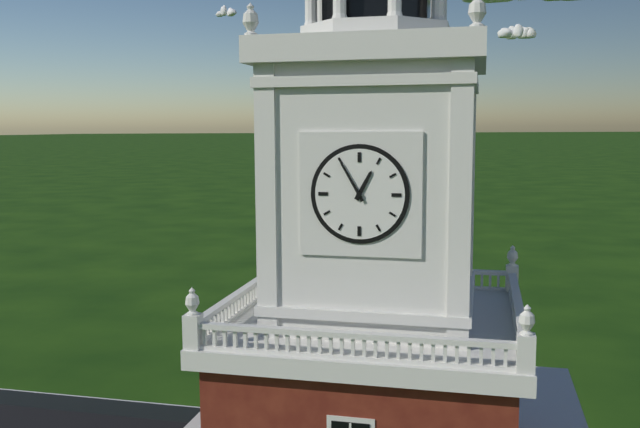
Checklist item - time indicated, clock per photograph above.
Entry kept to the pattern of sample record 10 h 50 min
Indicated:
12 h 55 min
